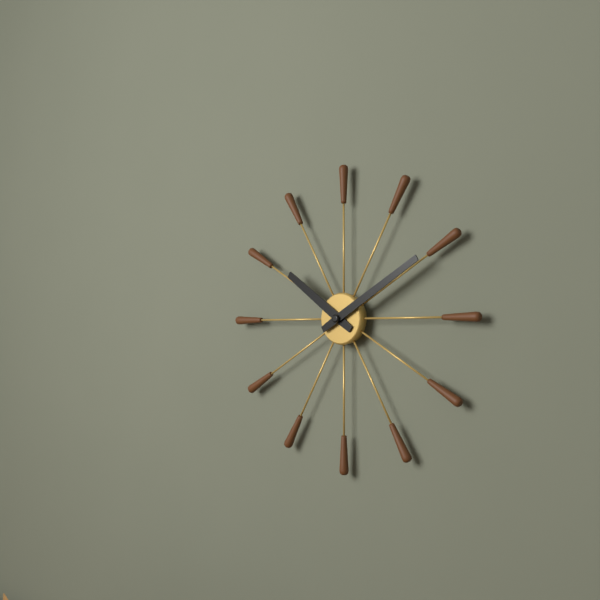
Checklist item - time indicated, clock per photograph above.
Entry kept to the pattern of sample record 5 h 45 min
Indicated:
10 h 10 min
